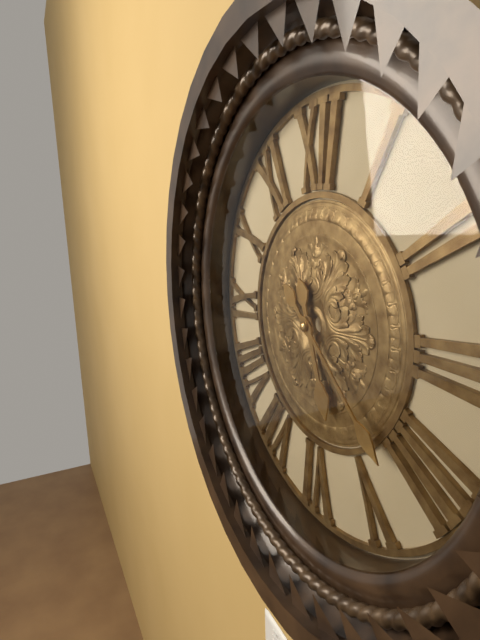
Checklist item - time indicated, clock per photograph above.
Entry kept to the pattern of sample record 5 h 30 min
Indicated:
5 h 22 min
